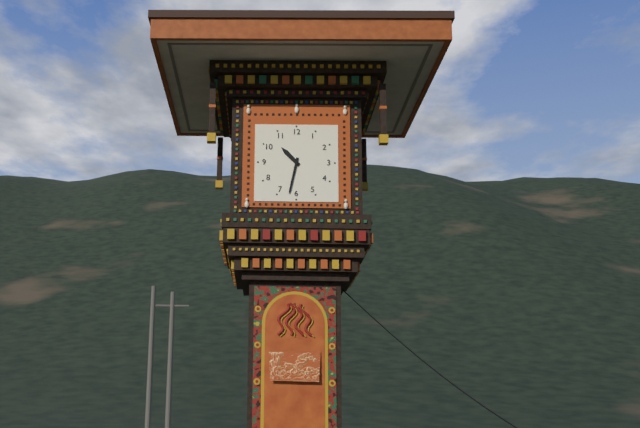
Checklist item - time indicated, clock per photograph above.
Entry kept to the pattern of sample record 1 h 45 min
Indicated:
10 h 32 min
